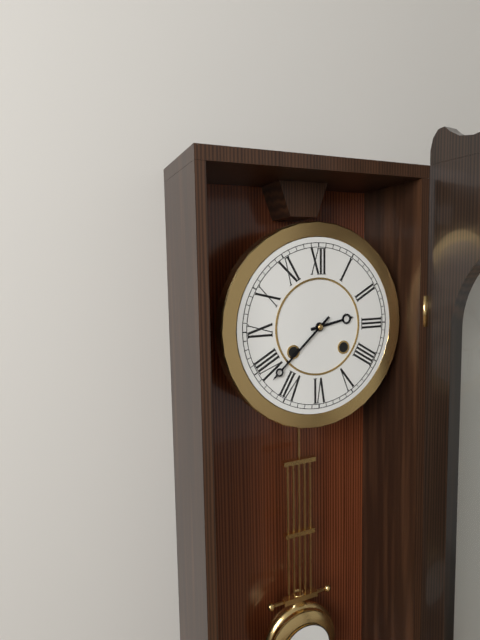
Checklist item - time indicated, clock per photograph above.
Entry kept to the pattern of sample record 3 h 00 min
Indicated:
2 h 38 min
